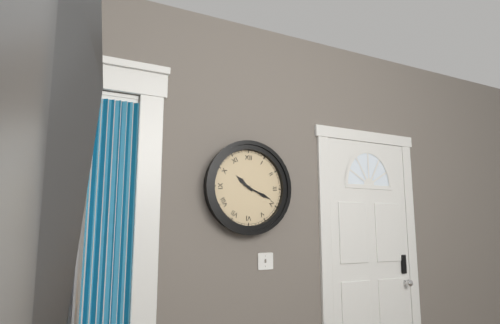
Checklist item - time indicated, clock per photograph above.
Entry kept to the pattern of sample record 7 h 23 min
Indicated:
10 h 19 min
